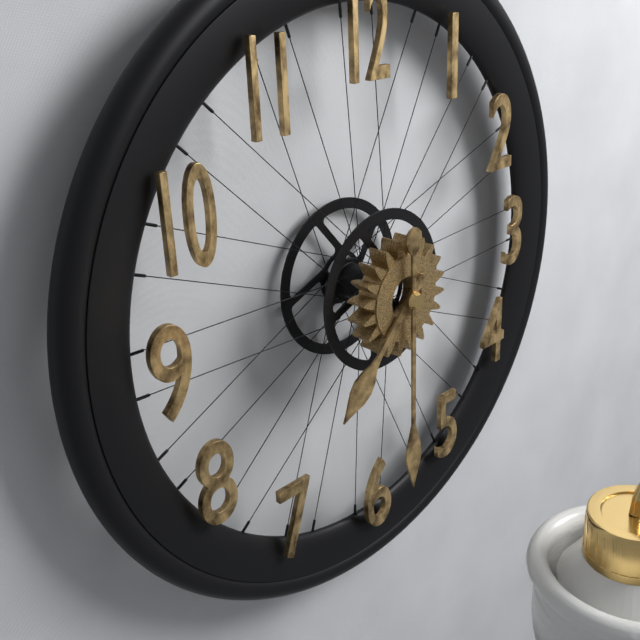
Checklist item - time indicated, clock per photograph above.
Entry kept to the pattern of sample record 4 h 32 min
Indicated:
7 h 30 min
